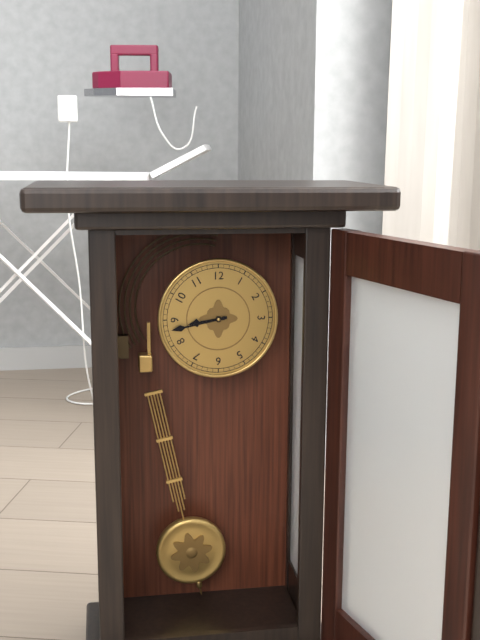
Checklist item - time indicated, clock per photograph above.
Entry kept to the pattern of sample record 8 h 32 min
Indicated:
8 h 43 min
